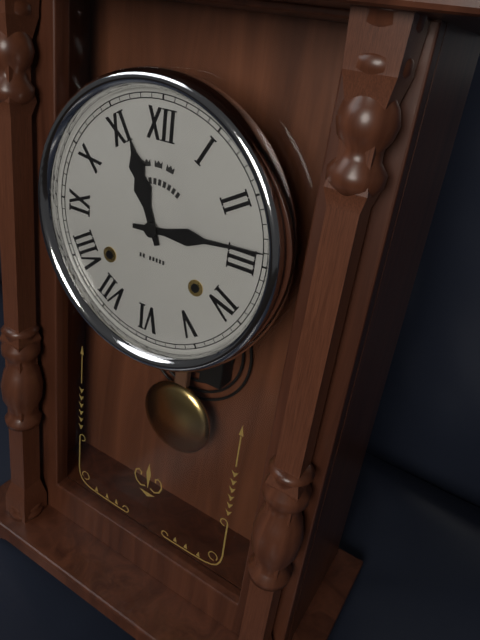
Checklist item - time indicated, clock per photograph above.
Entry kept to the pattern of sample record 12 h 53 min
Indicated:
11 h 14 min
